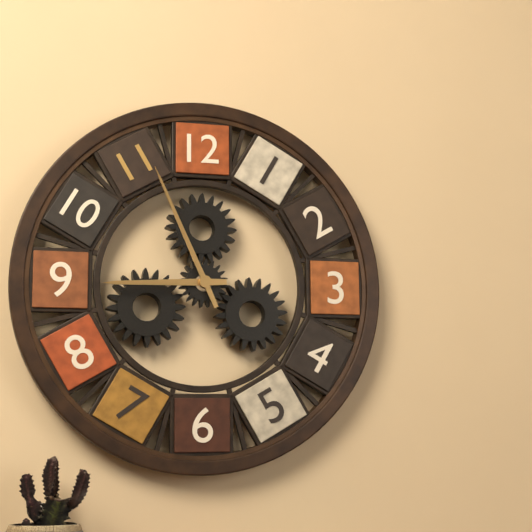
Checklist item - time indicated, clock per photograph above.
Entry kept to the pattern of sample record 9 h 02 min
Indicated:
8 h 56 min
